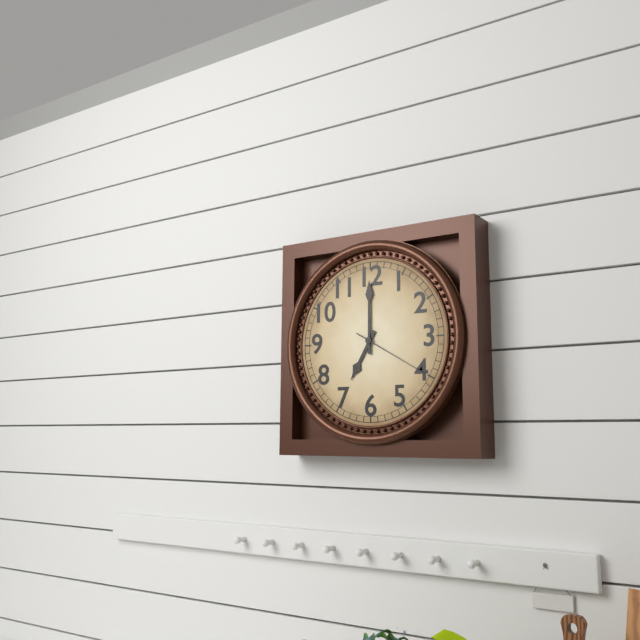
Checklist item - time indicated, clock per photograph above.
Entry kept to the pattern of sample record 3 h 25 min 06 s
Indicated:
7 h 00 min 20 s
